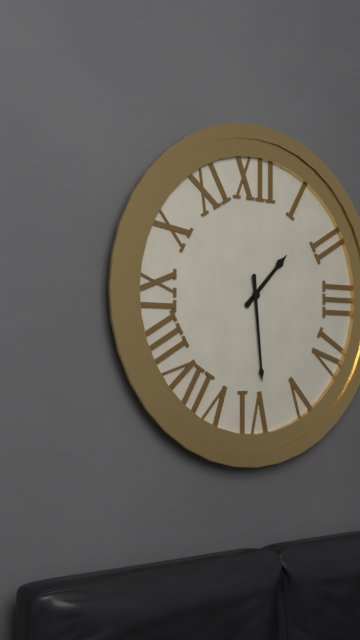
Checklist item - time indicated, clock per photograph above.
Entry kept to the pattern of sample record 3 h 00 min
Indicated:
1 h 29 min
